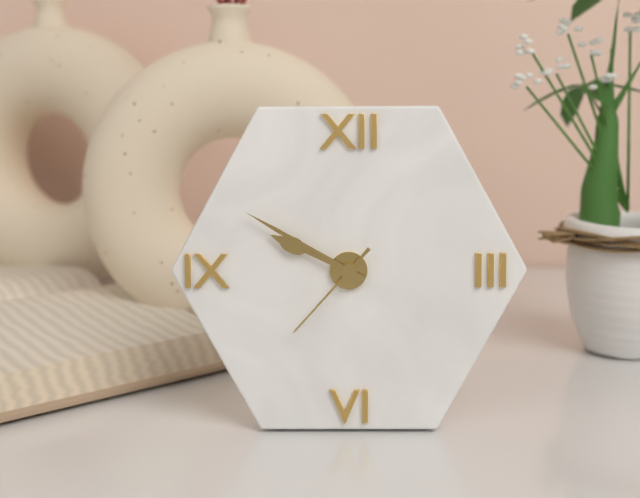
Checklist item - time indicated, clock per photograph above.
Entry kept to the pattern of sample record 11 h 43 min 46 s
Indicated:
9 h 50 min 37 s
